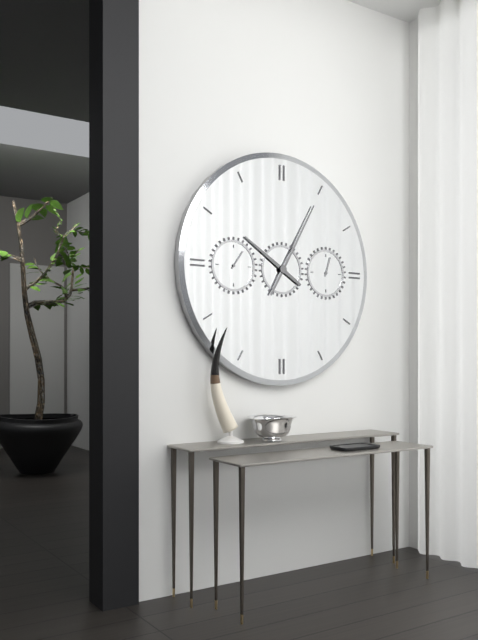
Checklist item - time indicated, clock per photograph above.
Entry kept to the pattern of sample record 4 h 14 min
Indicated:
10 h 05 min
